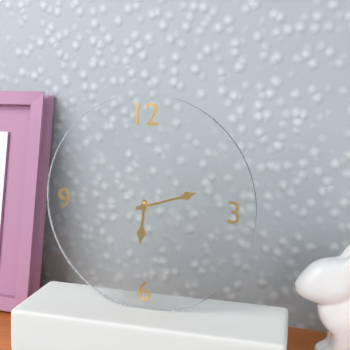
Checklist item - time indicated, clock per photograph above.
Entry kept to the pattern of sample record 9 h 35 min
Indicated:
6 h 12 min
